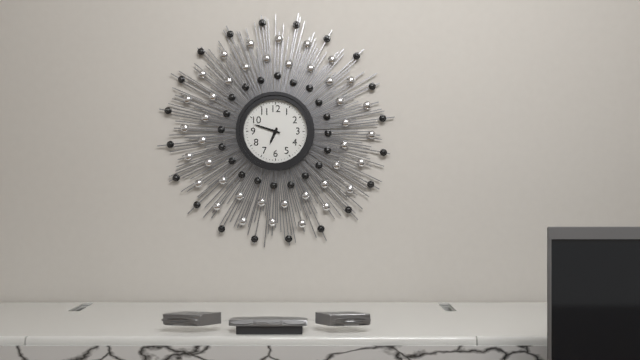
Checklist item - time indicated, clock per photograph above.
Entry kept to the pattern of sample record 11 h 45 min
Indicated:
6 h 48 min
